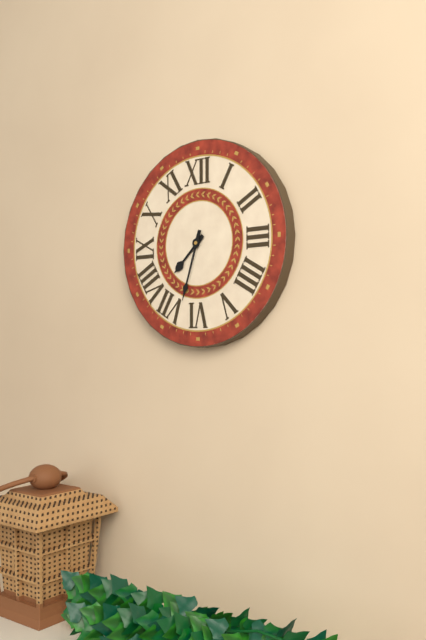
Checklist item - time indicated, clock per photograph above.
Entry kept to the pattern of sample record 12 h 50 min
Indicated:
7 h 33 min
